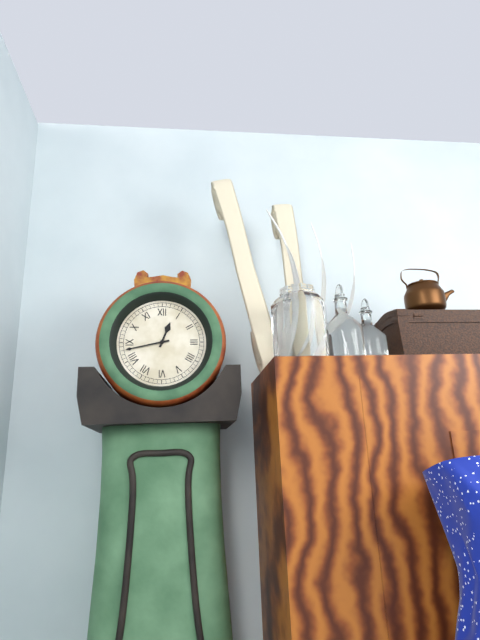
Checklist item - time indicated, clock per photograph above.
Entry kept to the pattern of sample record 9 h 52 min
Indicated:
12 h 43 min
